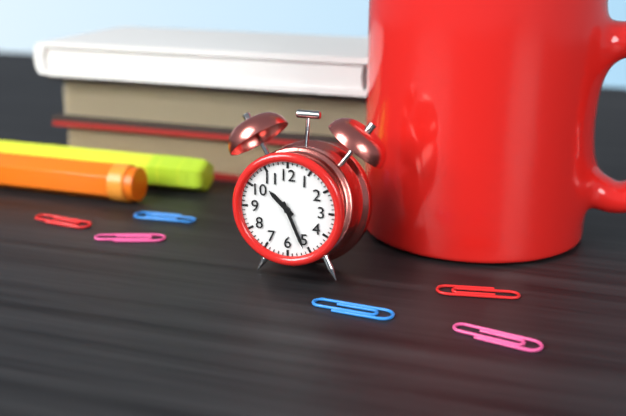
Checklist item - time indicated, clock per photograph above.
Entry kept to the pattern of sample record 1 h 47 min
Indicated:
10 h 26 min
